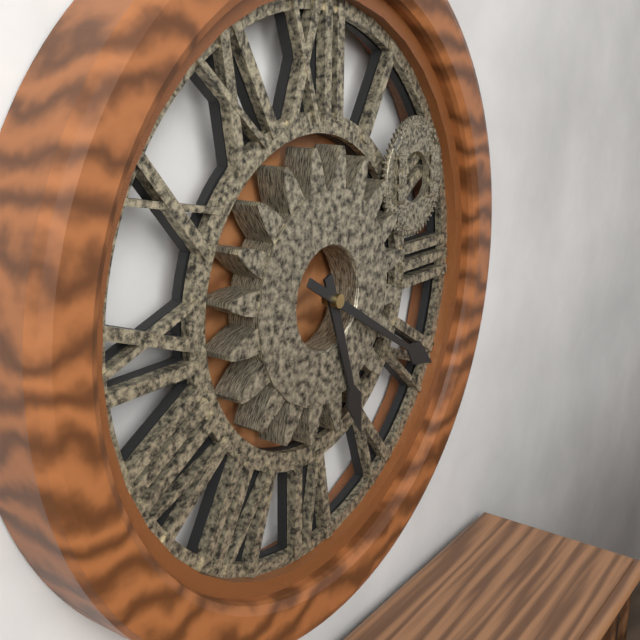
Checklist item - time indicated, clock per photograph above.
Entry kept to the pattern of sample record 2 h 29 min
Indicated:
5 h 20 min
